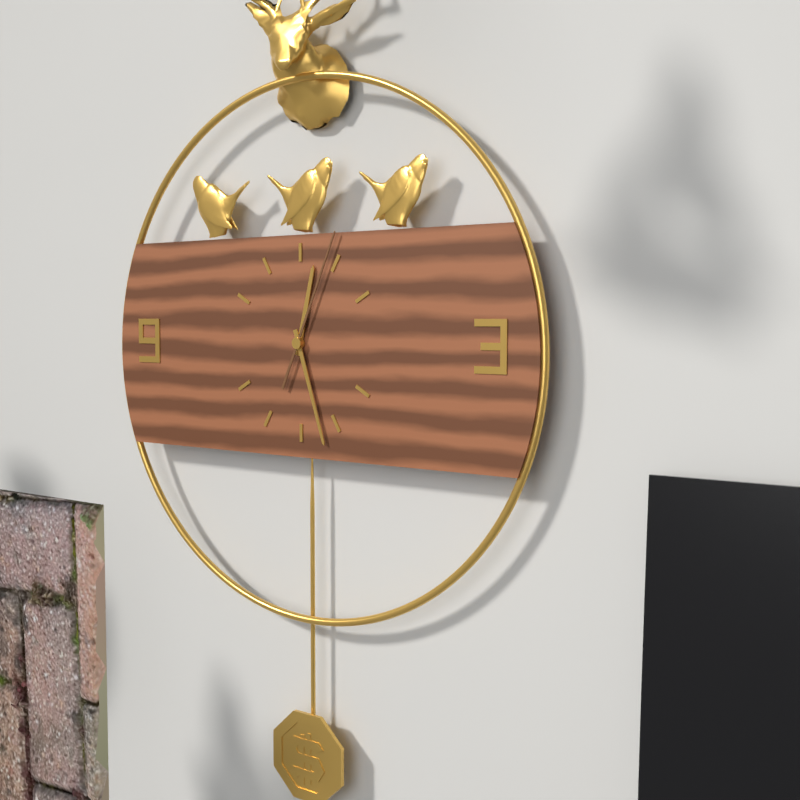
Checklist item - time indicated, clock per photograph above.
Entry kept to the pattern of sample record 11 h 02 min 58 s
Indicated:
12 h 27 min 04 s
